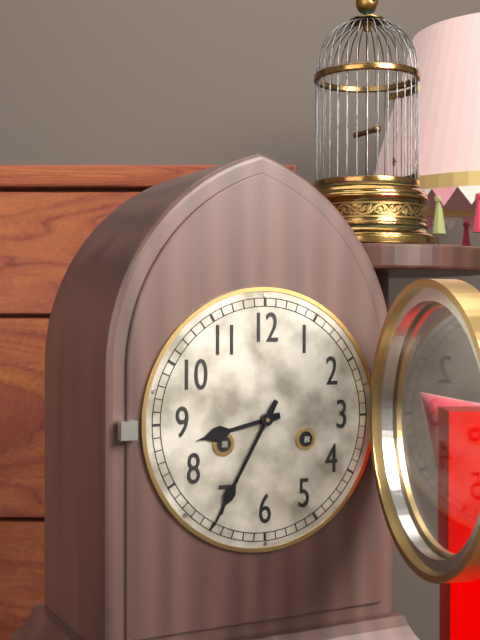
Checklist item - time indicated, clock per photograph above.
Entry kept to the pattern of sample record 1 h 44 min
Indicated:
8 h 35 min
